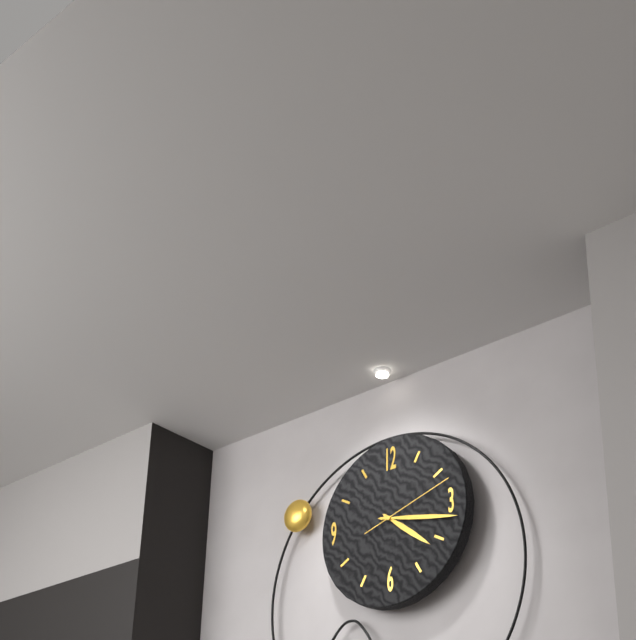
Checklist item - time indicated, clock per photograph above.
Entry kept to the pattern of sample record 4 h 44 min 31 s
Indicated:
4 h 17 min 12 s
